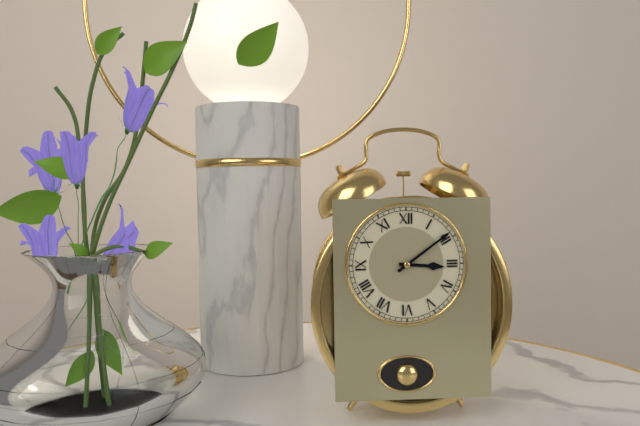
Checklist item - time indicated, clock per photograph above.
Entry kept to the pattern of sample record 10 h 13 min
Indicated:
3 h 09 min
